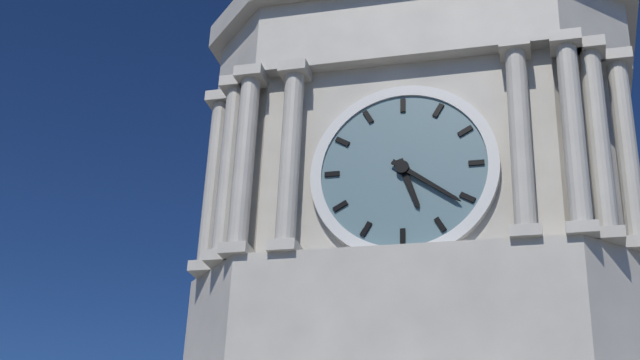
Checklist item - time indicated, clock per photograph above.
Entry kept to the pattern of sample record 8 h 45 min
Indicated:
5 h 21 min
